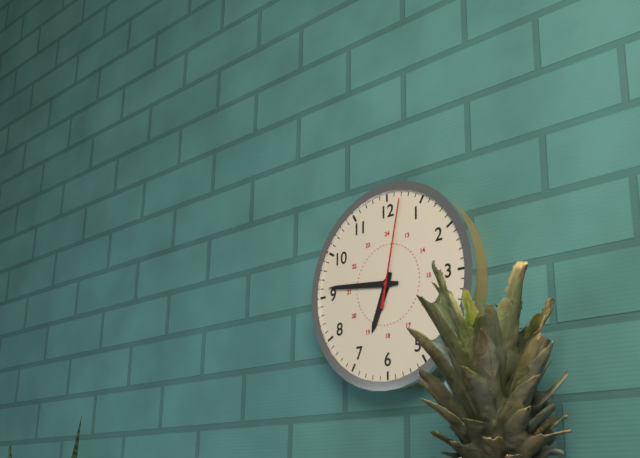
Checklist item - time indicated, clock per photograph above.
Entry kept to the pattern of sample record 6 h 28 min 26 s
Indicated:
6 h 46 min 02 s
